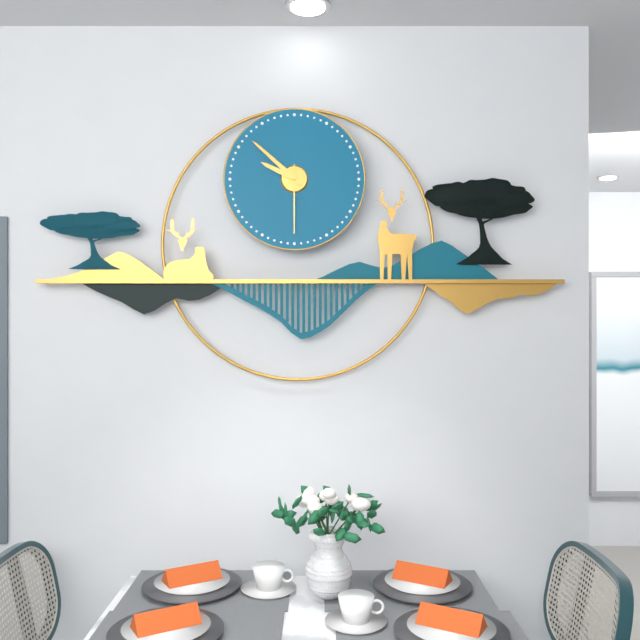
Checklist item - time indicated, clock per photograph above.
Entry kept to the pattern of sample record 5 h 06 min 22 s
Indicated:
9 h 52 min 30 s
